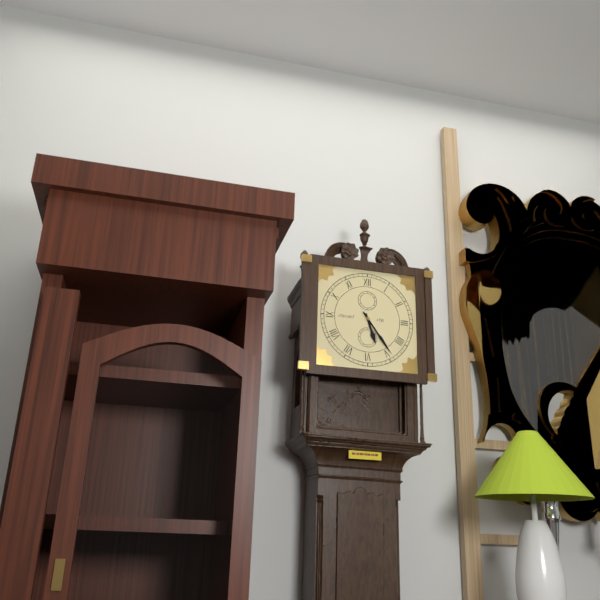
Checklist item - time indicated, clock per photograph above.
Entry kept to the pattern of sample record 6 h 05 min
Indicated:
5 h 24 min
